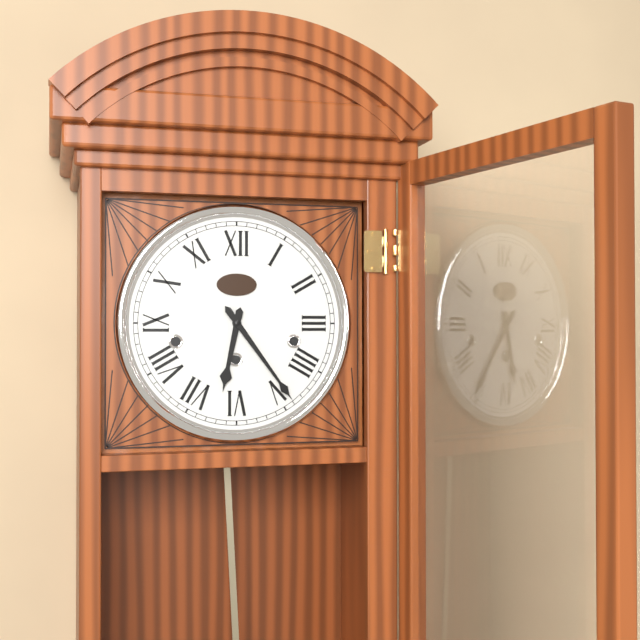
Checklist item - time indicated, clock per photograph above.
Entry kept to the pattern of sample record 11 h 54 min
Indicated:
6 h 24 min
